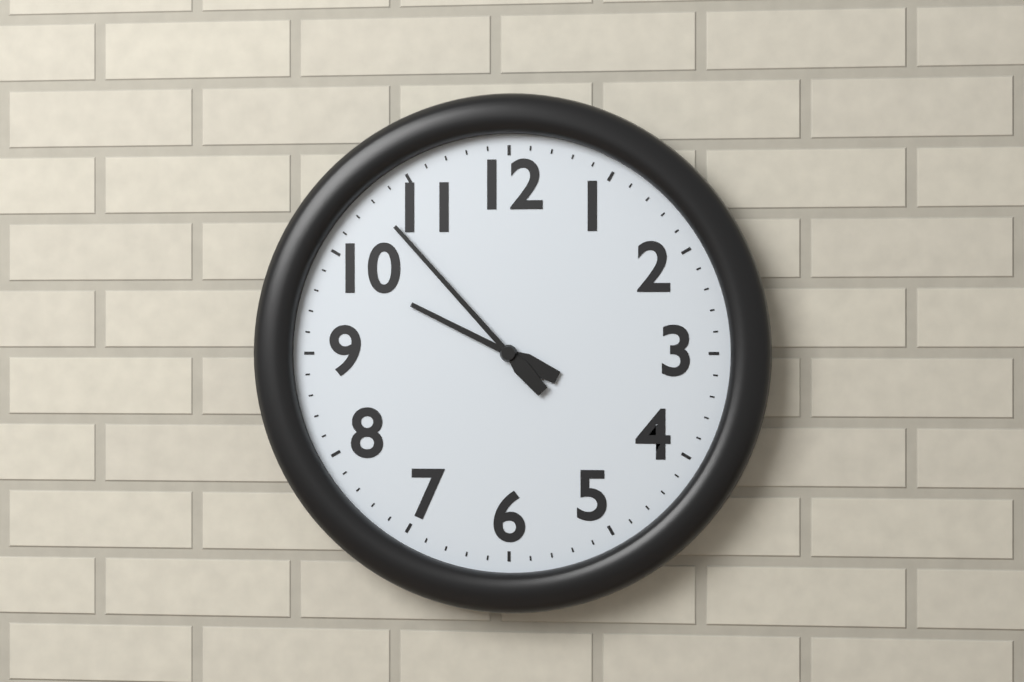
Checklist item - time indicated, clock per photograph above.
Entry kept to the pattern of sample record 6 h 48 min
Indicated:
9 h 53 min
